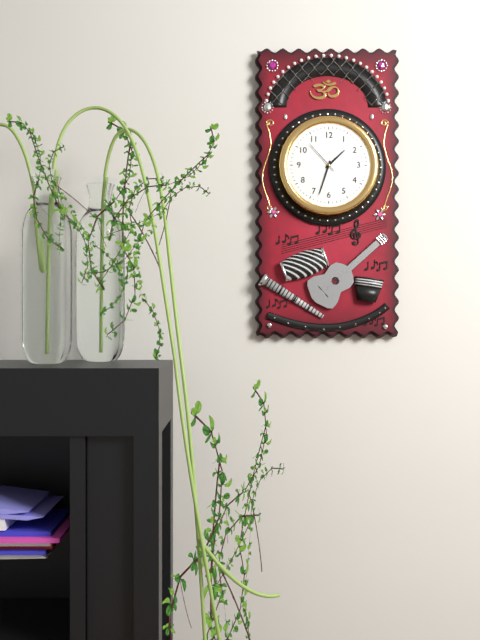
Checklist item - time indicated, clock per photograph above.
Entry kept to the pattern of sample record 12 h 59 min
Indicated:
1 h 33 min
